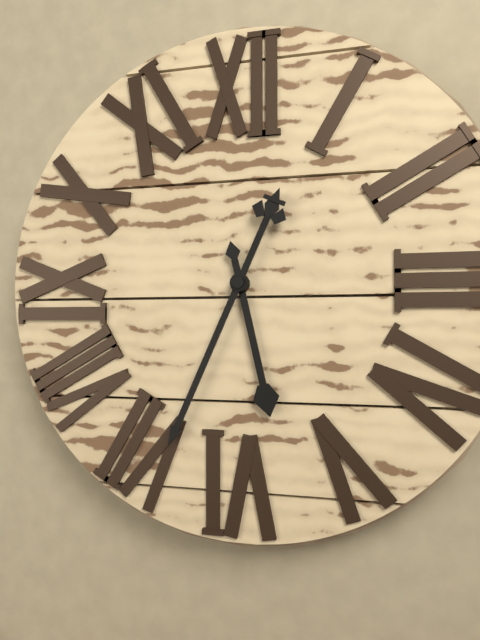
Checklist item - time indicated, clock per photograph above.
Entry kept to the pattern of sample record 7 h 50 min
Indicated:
5 h 34 min
